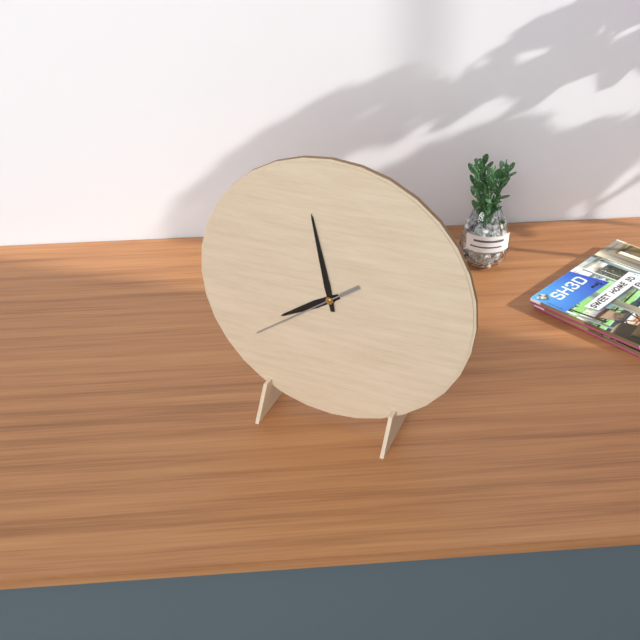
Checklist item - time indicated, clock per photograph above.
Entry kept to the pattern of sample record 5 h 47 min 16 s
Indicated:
7 h 58 min 39 s
